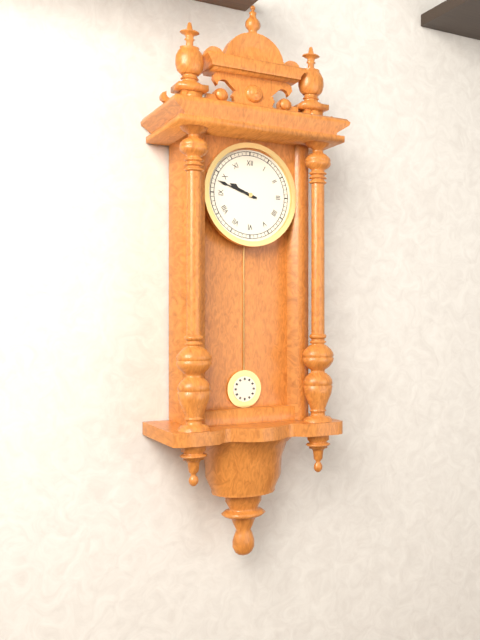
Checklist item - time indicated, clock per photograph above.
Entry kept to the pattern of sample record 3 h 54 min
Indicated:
9 h 48 min
